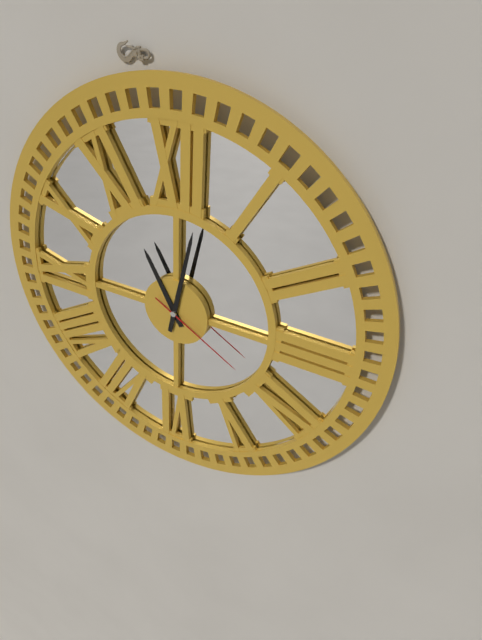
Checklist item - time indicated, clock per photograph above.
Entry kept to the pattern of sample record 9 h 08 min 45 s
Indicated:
11 h 02 min 20 s
